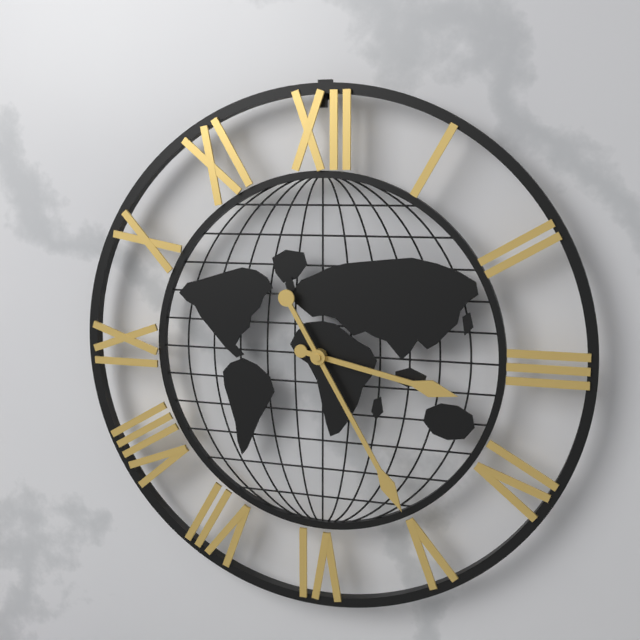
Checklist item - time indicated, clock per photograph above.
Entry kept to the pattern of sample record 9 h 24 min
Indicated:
3 h 25 min
